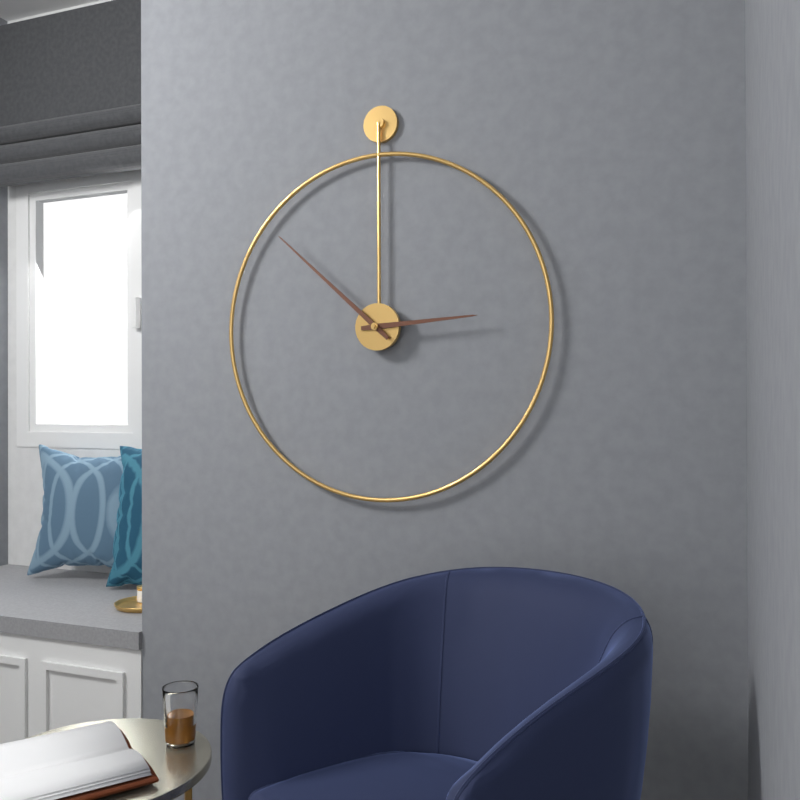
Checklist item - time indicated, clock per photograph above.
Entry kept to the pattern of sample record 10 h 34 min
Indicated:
2 h 52 min
